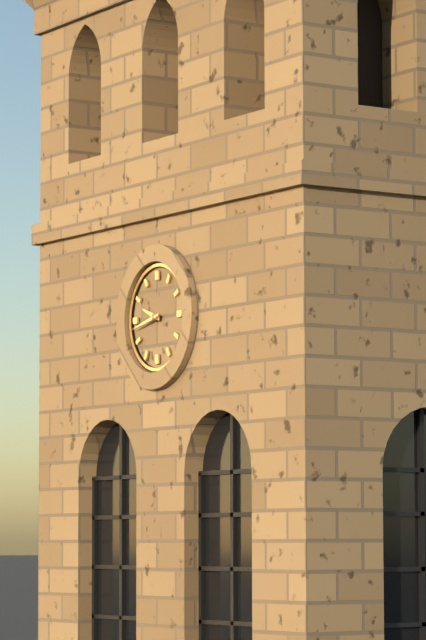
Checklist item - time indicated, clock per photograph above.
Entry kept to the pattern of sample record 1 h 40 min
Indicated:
9 h 43 min
